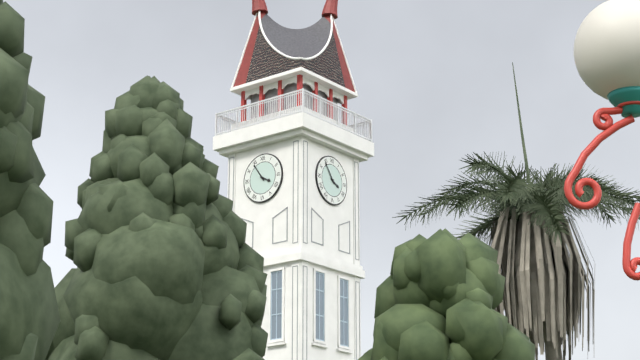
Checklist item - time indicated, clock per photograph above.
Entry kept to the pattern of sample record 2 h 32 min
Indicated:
3 h 54 min
